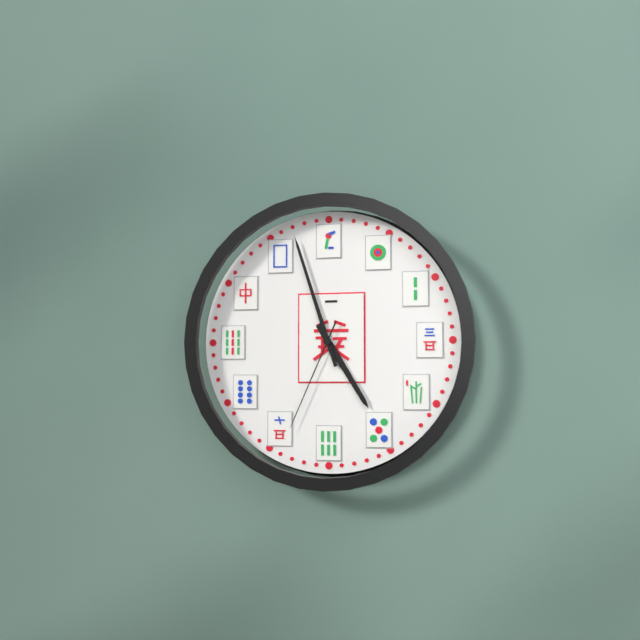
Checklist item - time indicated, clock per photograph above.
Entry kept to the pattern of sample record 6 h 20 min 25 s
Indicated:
4 h 57 min 34 s
